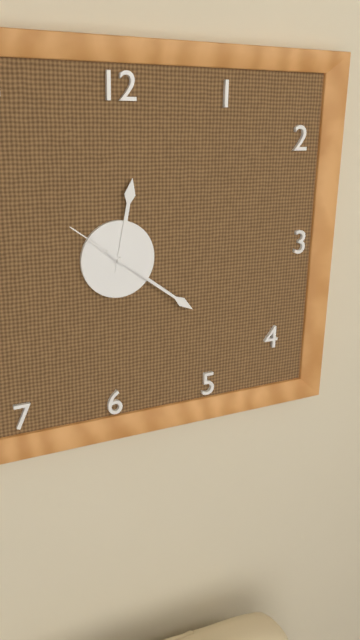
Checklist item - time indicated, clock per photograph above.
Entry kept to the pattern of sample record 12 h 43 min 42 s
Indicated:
12 h 21 min 51 s
